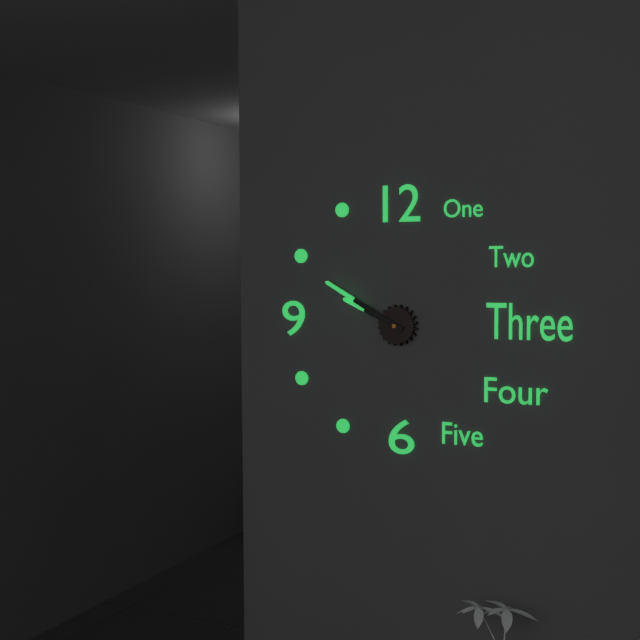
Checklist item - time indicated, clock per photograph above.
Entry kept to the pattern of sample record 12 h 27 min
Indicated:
9 h 50 min
